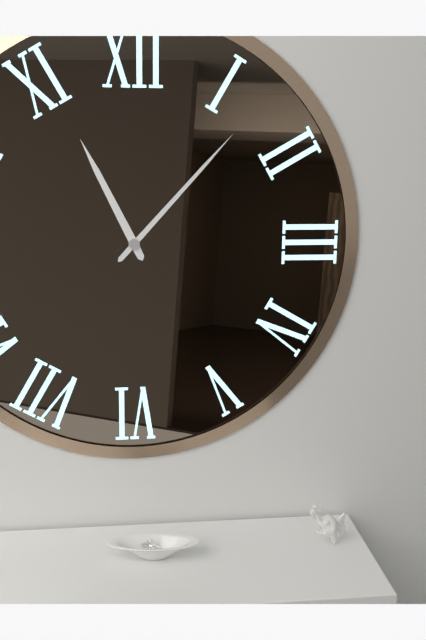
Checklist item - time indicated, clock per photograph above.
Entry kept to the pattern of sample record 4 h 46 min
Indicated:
11 h 07 min
